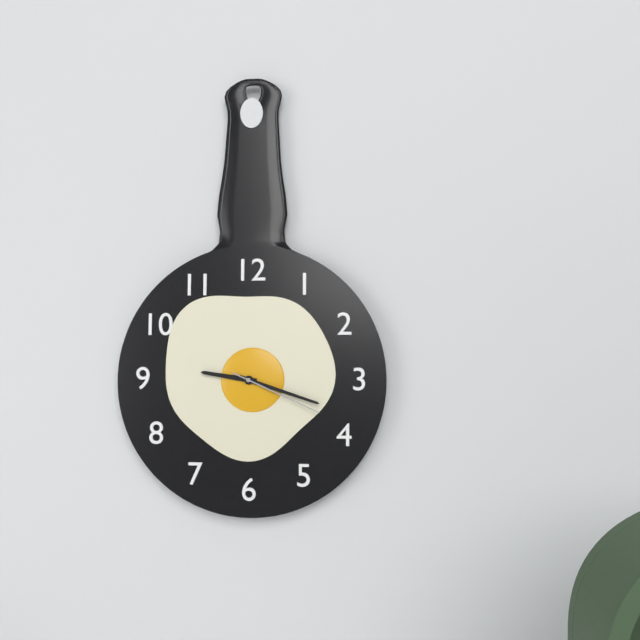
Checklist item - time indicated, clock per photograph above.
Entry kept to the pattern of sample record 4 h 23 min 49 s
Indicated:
9 h 18 min 19 s
